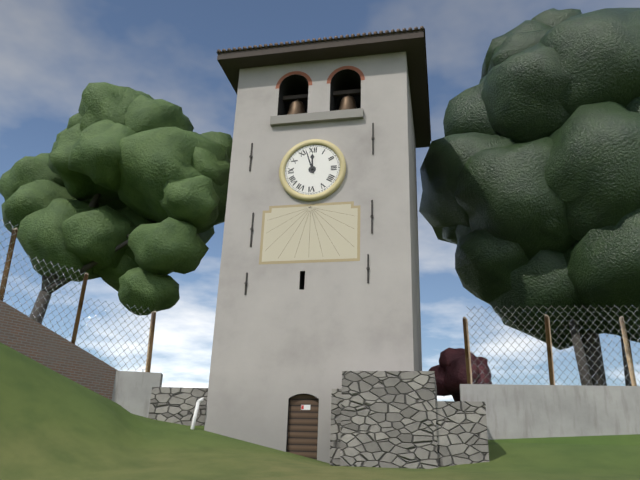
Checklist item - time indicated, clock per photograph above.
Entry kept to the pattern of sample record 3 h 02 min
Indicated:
11 h 57 min
